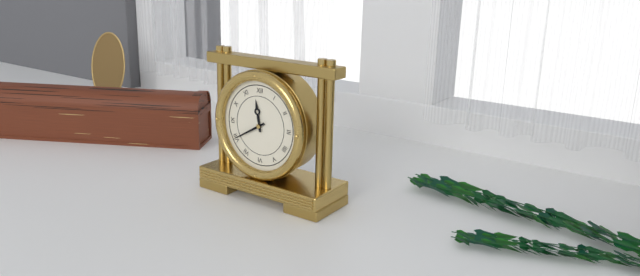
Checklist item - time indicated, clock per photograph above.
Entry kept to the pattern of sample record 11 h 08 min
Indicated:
11 h 40 min
